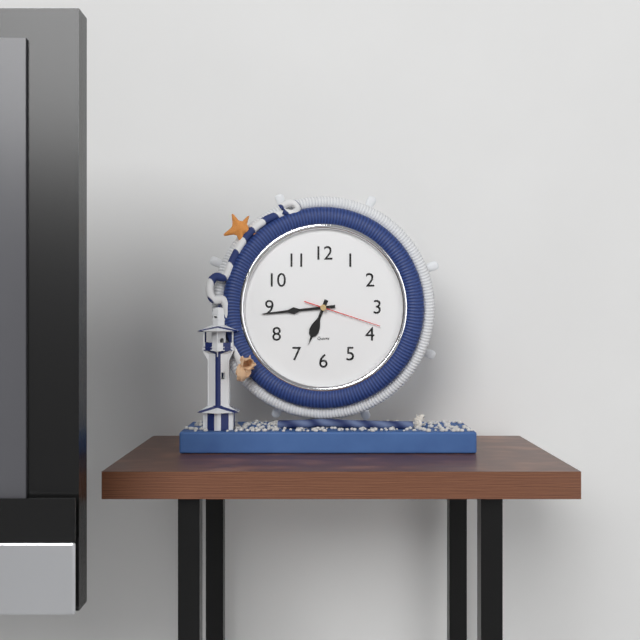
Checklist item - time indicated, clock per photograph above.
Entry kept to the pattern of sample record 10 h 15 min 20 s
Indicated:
6 h 44 min 18 s
